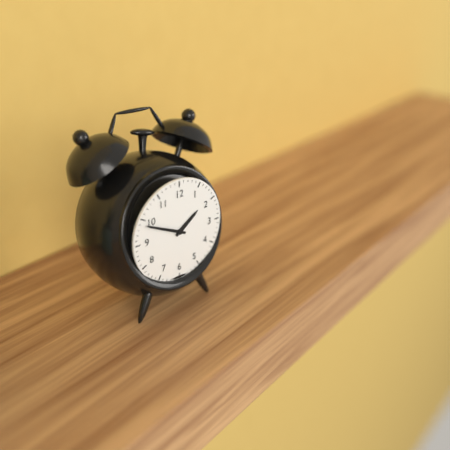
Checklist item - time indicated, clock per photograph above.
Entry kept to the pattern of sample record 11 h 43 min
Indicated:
1 h 49 min
